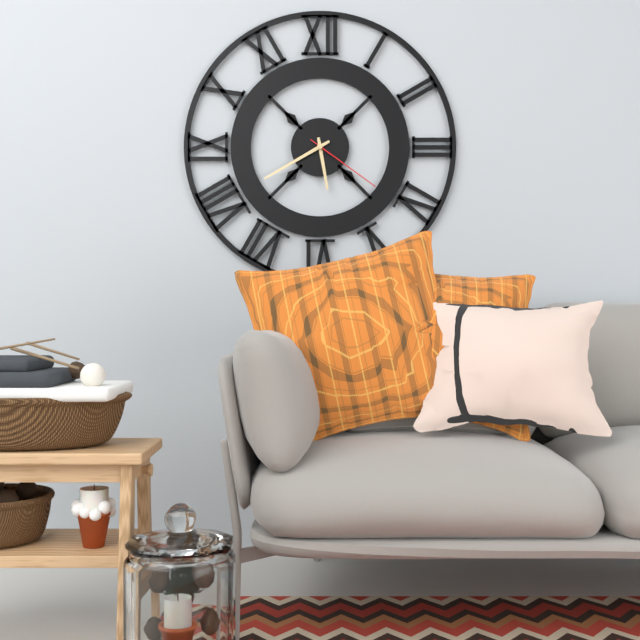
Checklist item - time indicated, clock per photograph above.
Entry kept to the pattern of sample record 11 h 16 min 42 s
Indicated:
5 h 40 min 21 s
